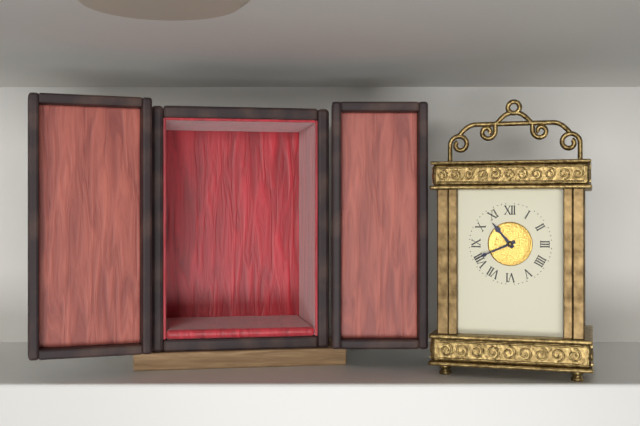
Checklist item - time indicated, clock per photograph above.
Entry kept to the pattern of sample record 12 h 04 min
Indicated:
10 h 41 min
